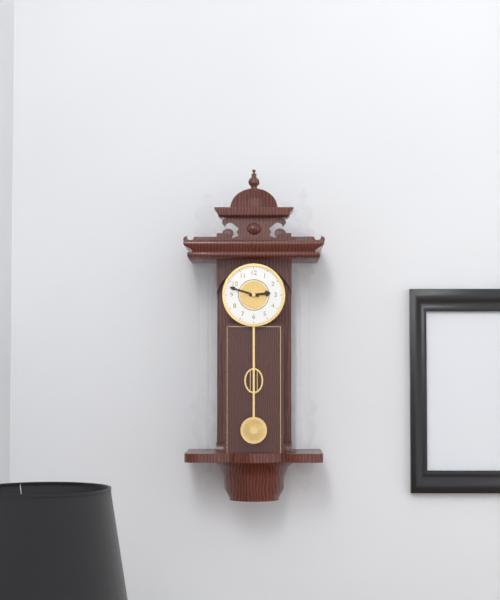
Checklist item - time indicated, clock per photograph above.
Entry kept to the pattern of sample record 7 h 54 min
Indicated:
2 h 48 min
